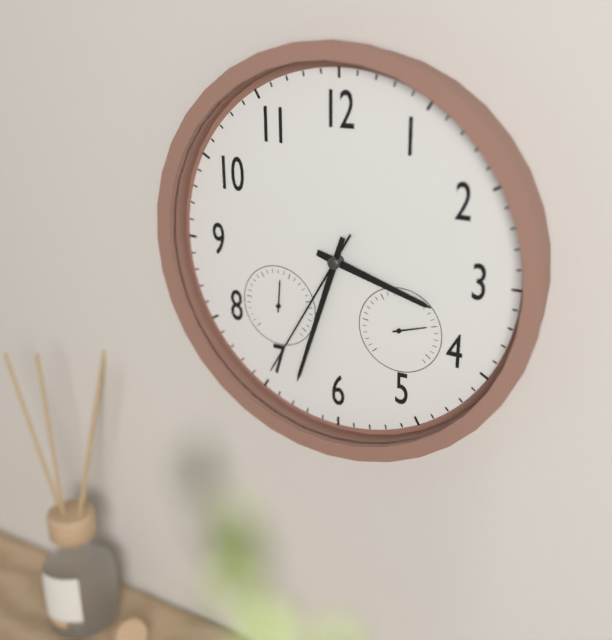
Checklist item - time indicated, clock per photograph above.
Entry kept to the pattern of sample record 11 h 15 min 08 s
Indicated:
3 h 33 min 35 s
